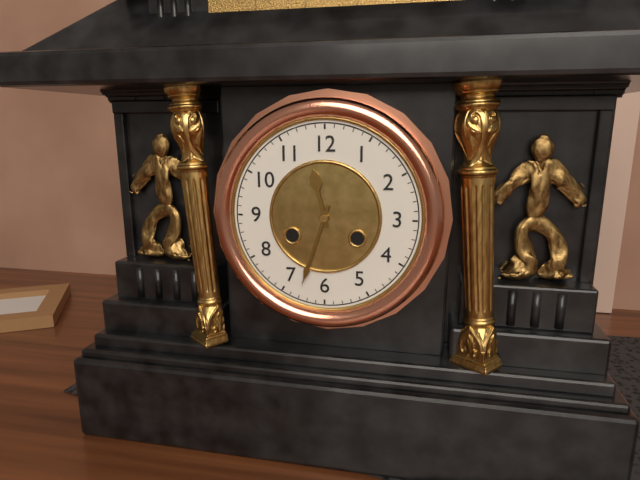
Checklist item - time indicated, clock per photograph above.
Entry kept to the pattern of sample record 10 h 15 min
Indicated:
11 h 33 min
